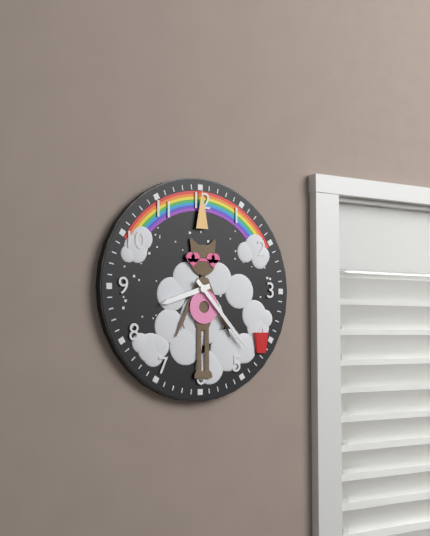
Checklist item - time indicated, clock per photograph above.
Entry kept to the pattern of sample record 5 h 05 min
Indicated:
8 h 23 min
